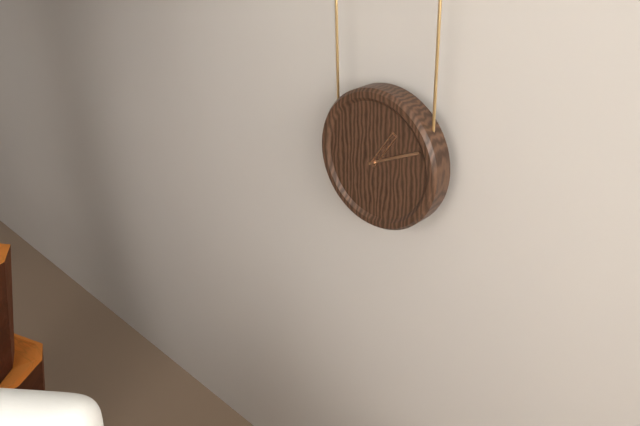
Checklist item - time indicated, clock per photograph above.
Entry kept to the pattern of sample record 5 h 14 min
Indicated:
1 h 11 min
